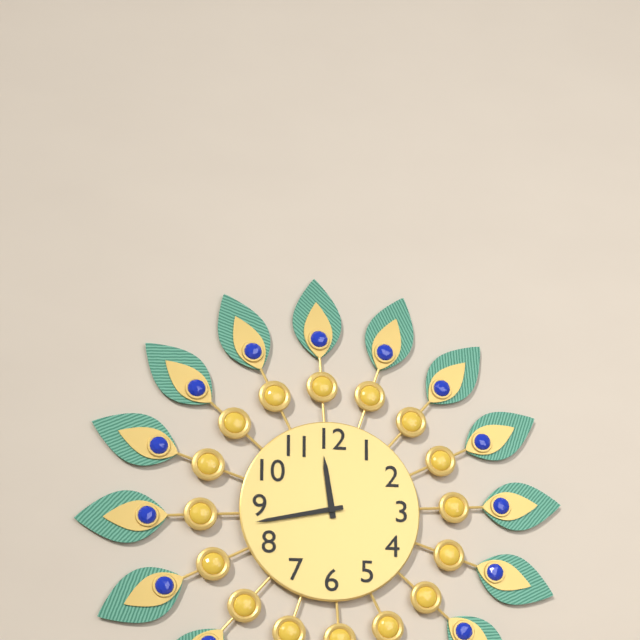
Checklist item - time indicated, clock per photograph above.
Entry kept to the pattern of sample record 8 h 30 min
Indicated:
11 h 43 min
